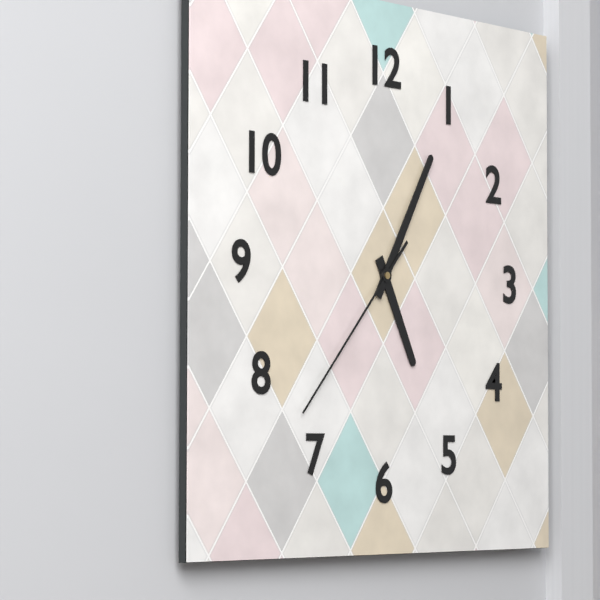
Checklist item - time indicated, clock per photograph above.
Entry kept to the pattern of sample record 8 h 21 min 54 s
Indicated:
5 h 05 min 37 s
